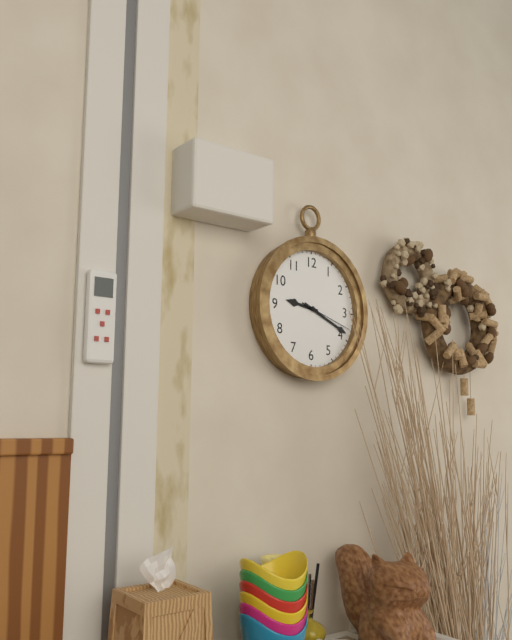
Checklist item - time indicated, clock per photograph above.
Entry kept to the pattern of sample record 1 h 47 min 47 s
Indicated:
9 h 19 min 18 s
